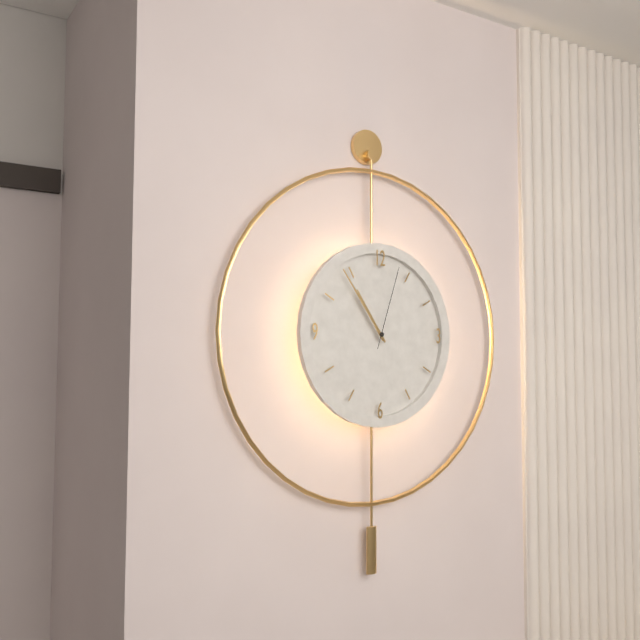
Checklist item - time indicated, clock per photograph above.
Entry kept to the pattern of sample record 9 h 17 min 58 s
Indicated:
10 h 54 min 03 s
